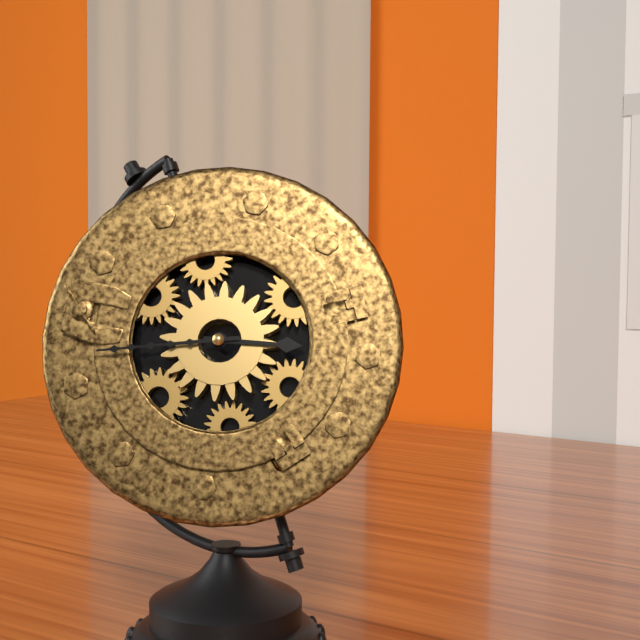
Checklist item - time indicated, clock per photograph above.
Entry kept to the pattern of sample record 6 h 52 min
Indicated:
2 h 42 min
